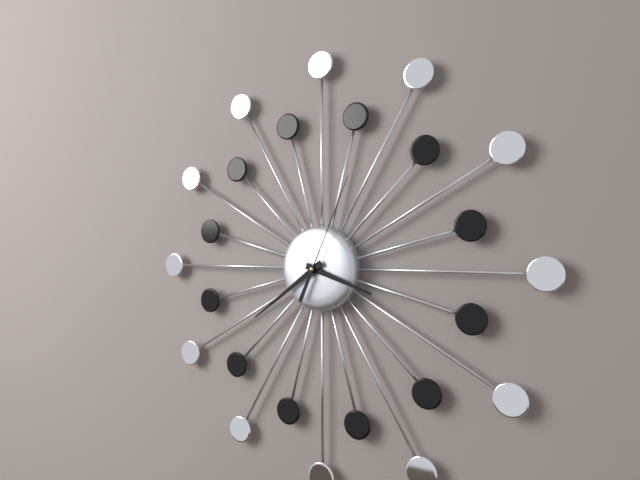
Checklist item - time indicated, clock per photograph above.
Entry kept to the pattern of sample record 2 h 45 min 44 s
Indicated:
3 h 39 min 04 s
